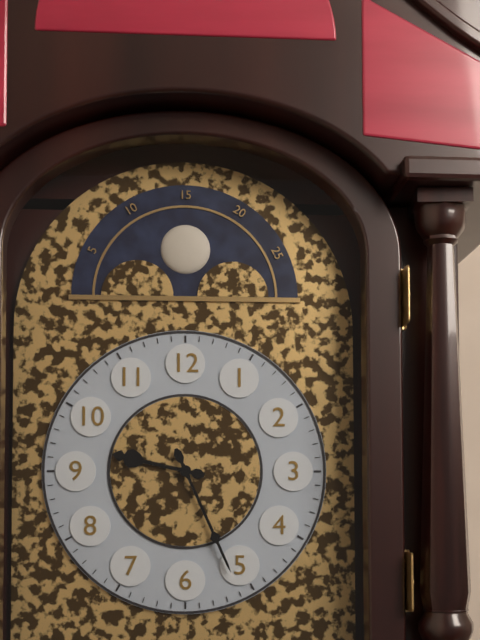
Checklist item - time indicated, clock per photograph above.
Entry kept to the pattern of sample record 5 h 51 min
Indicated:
9 h 26 min
